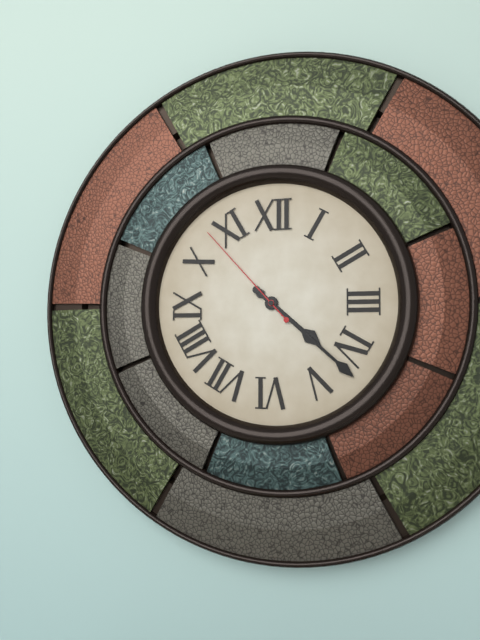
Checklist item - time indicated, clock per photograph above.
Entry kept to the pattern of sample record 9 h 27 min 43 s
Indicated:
4 h 22 min 53 s
